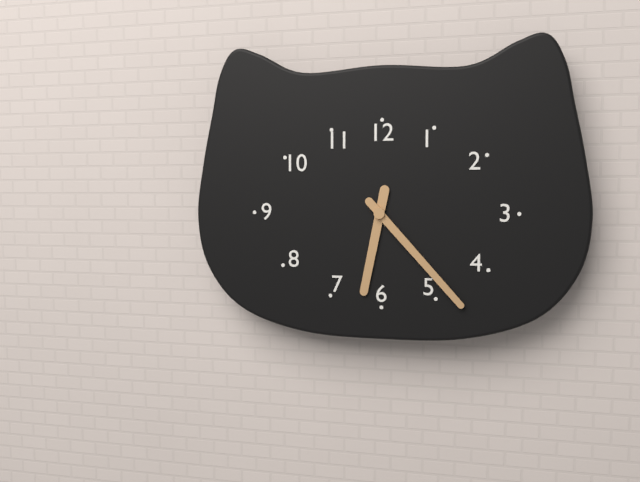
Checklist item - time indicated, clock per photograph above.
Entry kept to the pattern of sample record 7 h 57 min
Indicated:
6 h 23 min
